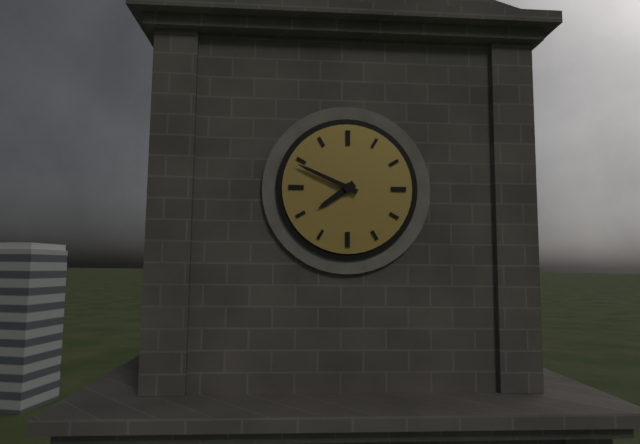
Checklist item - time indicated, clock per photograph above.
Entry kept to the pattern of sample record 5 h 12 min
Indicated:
7 h 49 min
